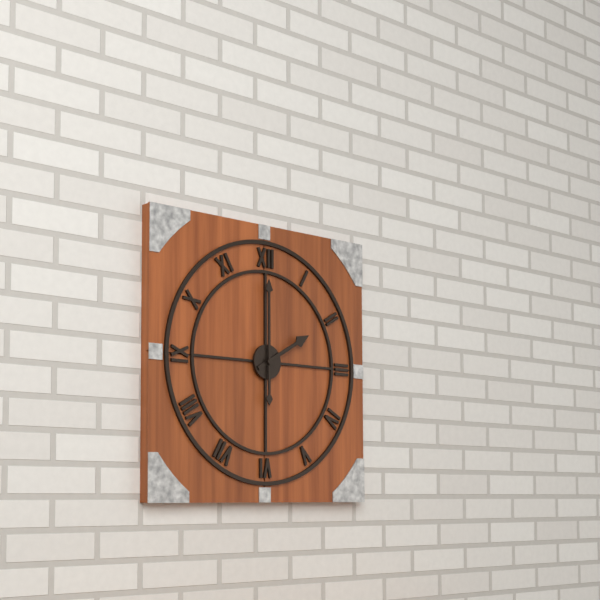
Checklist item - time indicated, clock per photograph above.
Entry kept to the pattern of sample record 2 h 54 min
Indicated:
2 h 00 min
